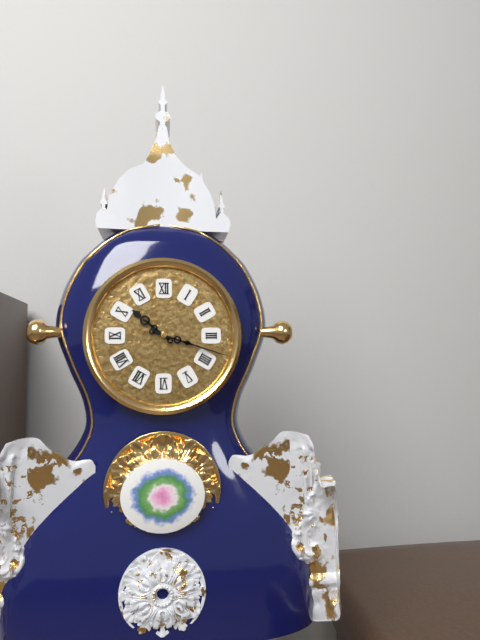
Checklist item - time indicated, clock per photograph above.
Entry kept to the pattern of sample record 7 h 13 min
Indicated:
10 h 18 min
